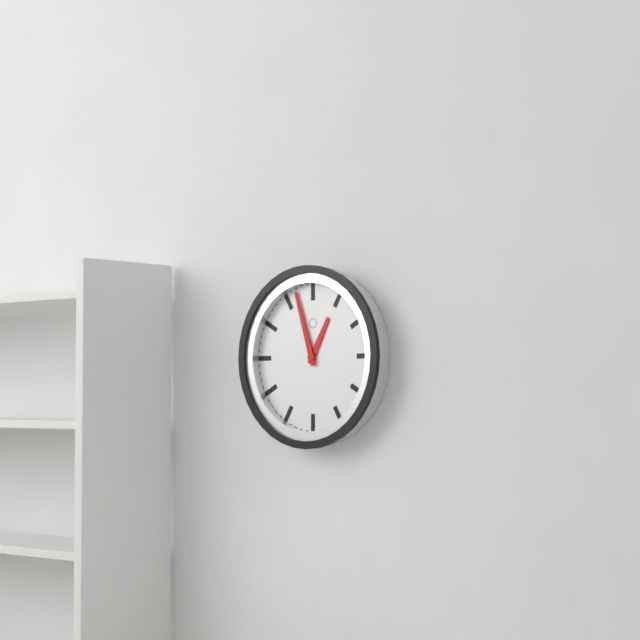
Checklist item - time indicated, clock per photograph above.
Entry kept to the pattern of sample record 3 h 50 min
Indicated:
12 h 57 min
